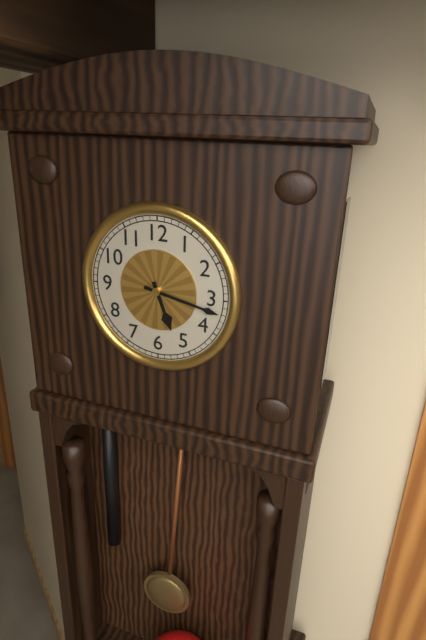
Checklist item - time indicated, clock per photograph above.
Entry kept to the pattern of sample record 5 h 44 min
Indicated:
5 h 17 min
